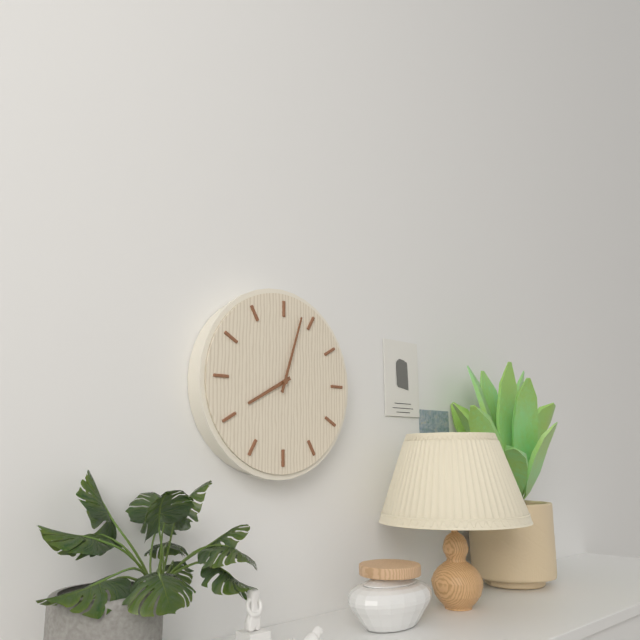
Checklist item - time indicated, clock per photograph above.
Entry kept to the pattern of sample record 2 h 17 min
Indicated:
8 h 03 min
